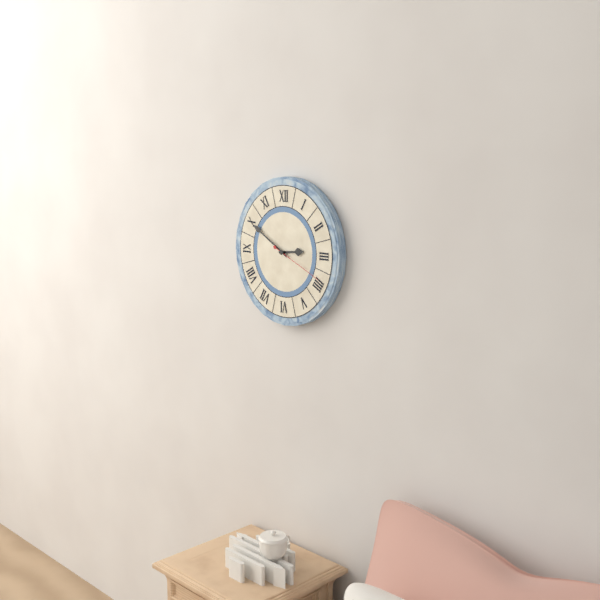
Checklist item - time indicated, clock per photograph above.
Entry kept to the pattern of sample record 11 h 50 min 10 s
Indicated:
2 h 50 min 19 s
